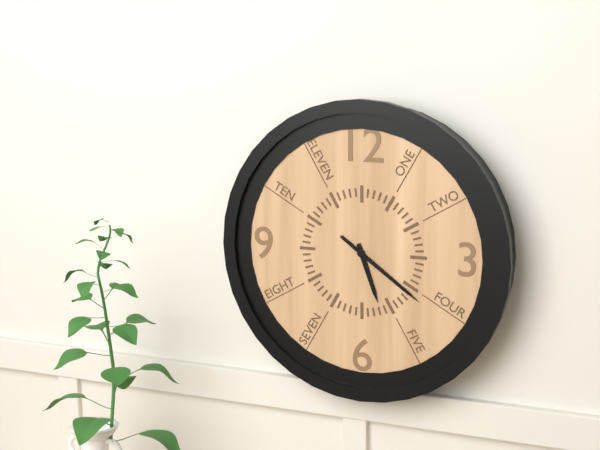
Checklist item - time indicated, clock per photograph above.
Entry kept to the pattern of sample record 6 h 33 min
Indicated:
5 h 21 min
